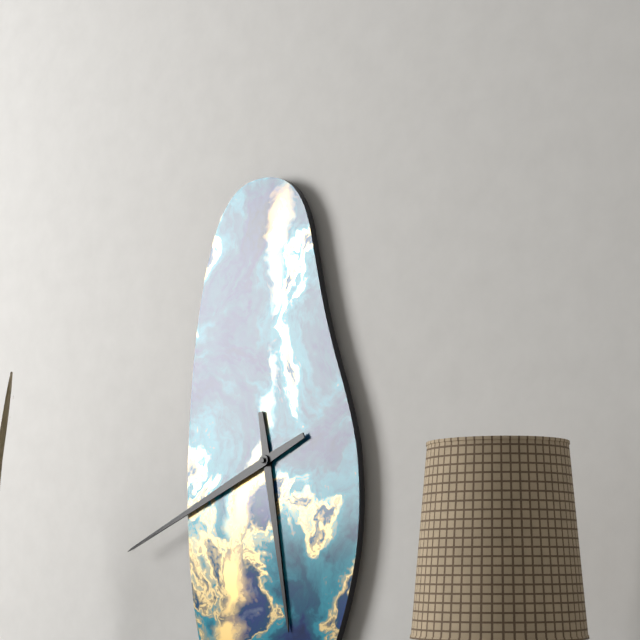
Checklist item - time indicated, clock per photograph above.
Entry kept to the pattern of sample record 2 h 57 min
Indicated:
5 h 41 min
